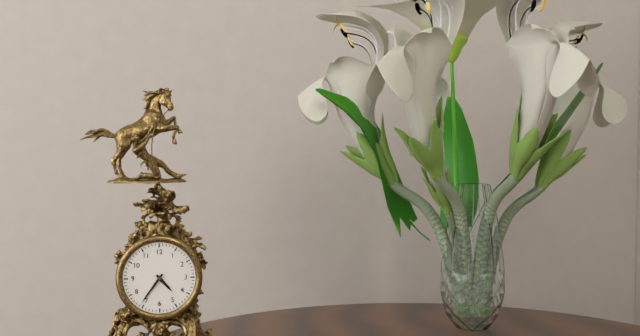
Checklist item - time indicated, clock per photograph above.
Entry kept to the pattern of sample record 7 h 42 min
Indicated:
4 h 36 min
